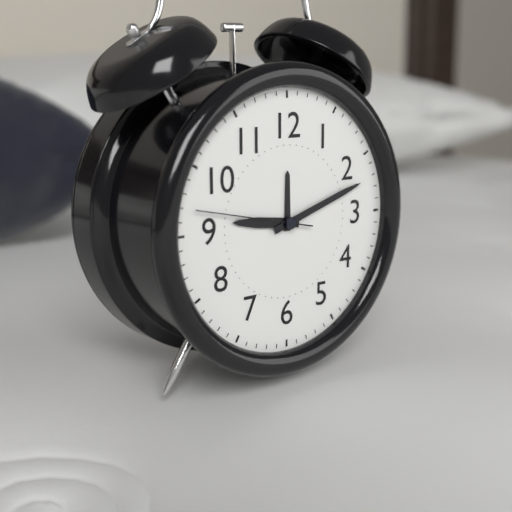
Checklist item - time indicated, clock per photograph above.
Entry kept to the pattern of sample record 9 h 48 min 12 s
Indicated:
9 h 12 min 47 s
